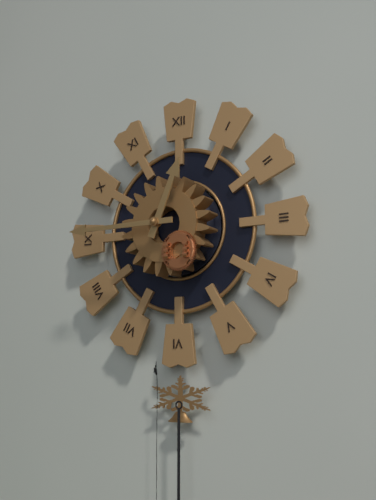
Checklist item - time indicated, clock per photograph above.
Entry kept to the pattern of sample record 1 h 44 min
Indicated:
12 h 45 min
